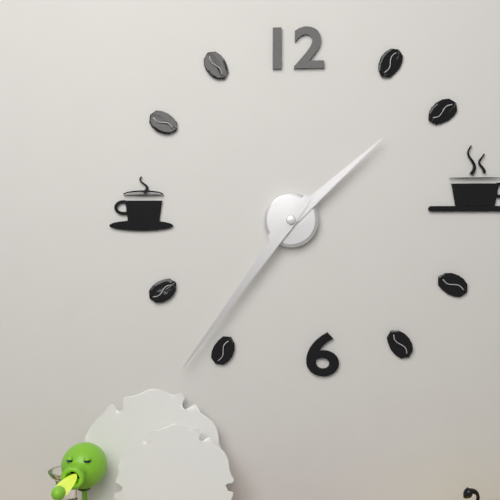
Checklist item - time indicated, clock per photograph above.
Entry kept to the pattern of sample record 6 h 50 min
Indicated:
1 h 36 min
